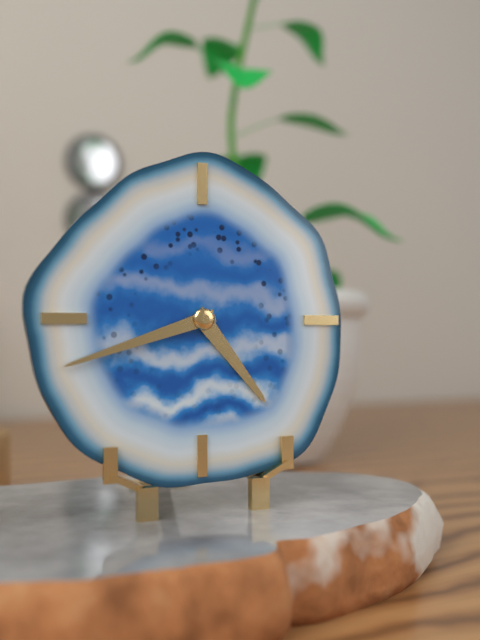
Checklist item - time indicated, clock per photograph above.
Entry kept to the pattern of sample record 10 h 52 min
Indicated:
4 h 42 min
